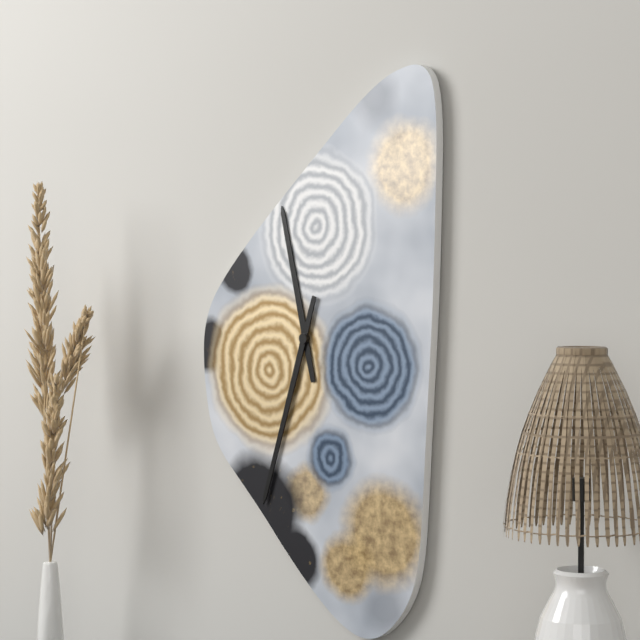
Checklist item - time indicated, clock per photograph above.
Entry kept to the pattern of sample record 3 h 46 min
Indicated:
11 h 33 min
